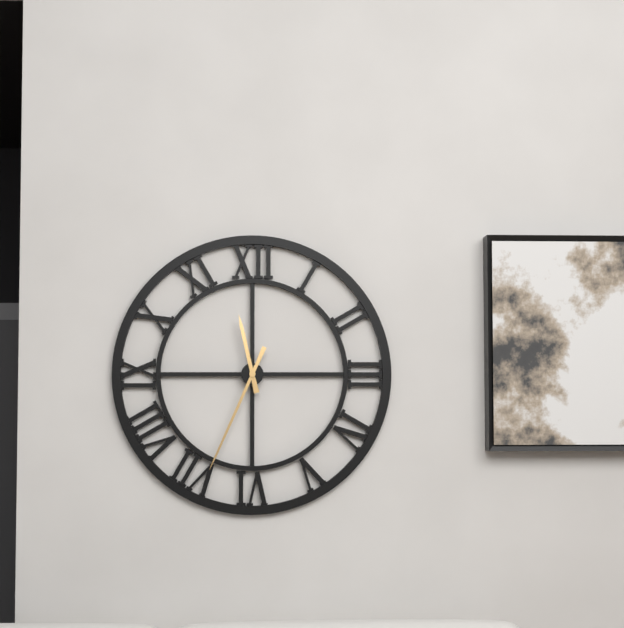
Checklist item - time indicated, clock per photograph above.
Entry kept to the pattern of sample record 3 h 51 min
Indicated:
11 h 34 min
